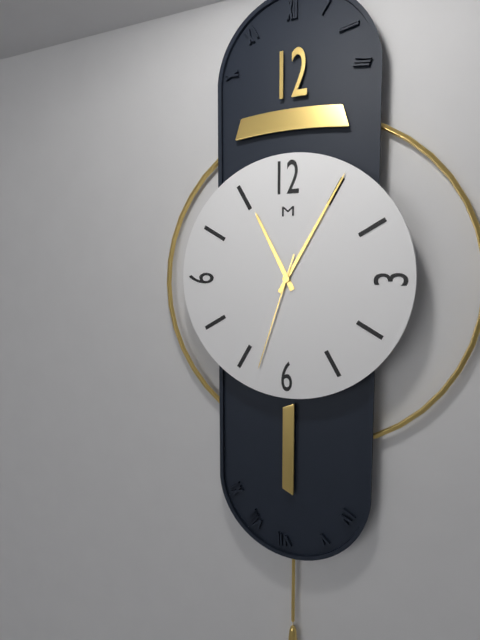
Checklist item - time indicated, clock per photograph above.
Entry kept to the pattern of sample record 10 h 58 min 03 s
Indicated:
11 h 05 min 33 s
